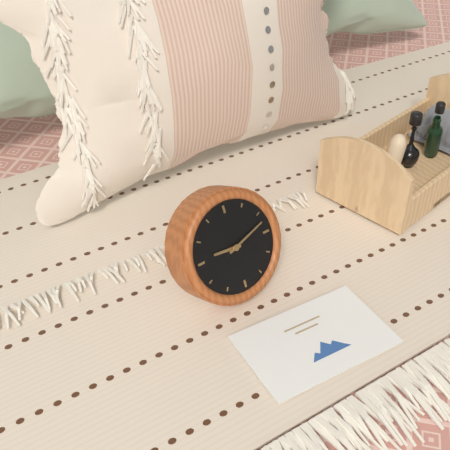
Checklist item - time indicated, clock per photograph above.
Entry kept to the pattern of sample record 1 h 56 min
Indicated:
9 h 12 min
